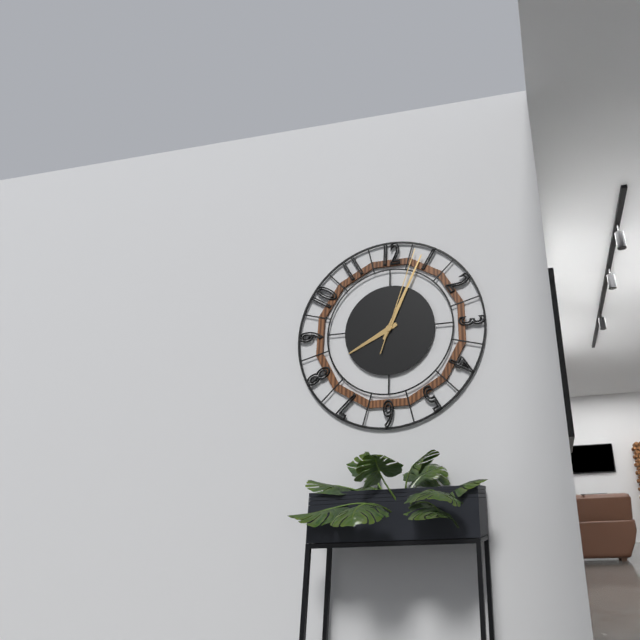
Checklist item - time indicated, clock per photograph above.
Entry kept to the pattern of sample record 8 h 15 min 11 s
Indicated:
8 h 04 min 03 s
